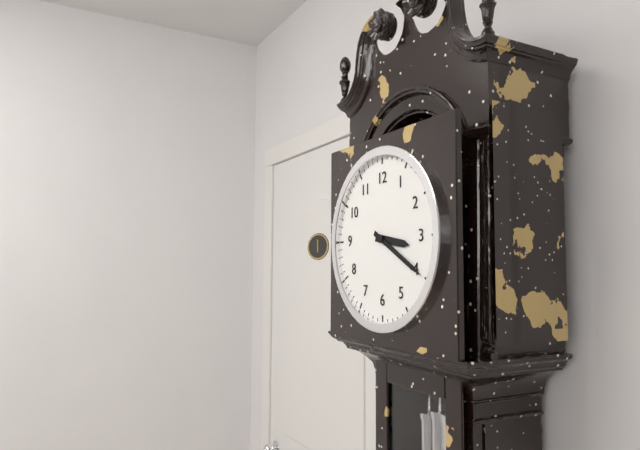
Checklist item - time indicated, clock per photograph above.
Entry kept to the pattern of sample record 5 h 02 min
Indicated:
3 h 20 min
